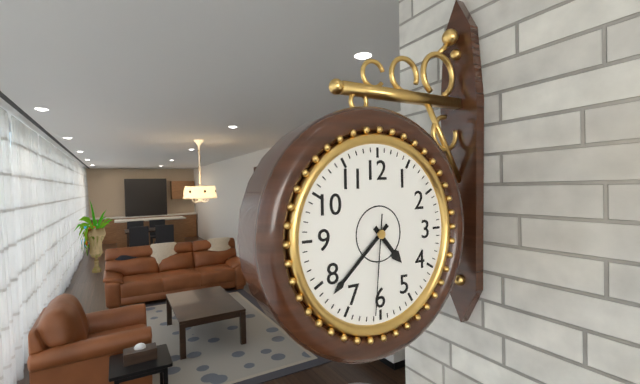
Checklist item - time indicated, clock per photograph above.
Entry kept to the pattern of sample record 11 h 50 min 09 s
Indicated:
4 h 38 min 31 s
